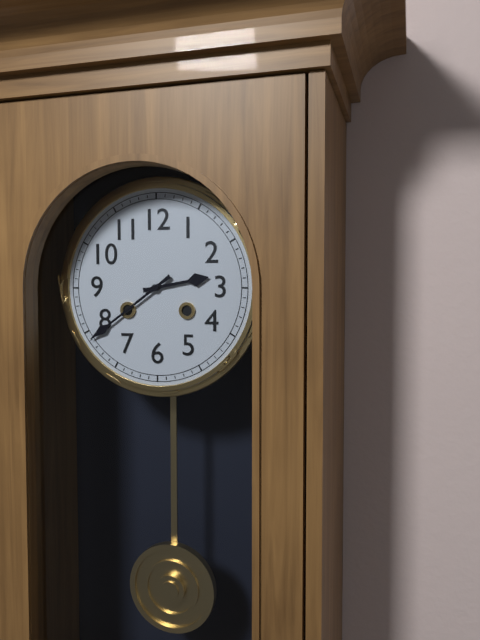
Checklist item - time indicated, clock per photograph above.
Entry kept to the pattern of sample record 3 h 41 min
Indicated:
2 h 39 min
